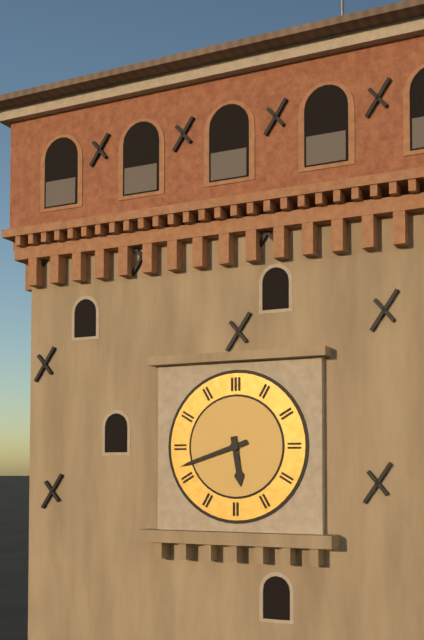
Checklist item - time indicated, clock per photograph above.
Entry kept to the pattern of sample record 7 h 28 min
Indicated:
5 h 42 min
